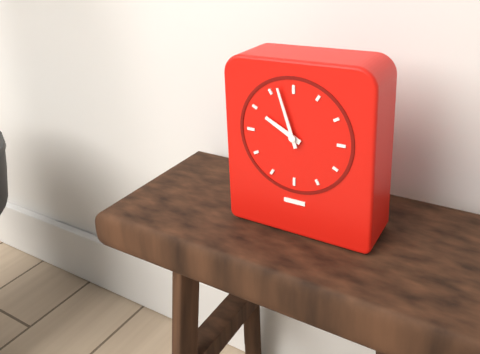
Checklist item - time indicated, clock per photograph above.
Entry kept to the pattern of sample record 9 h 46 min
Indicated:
9 h 57 min
